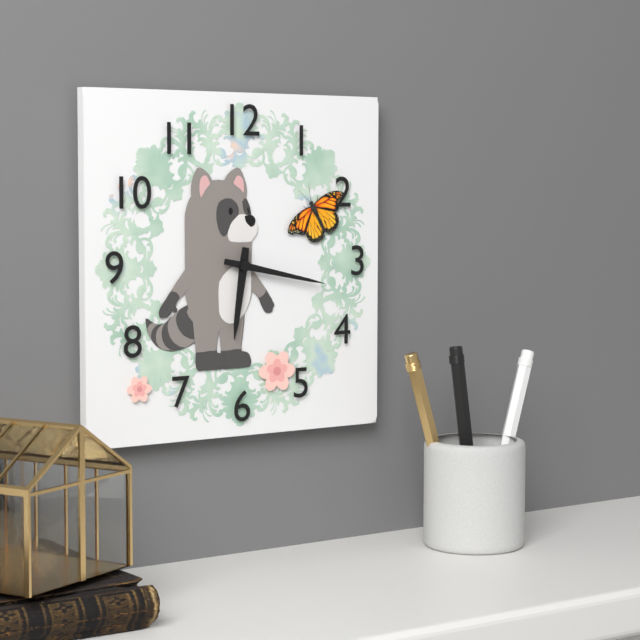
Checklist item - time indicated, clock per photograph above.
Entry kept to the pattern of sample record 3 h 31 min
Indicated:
6 h 17 min
